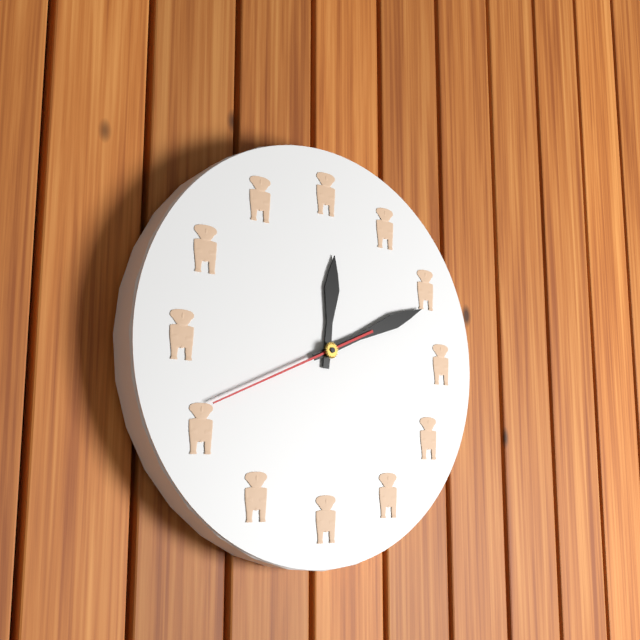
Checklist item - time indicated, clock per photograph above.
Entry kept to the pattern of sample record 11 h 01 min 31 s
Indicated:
12 h 11 min 41 s
